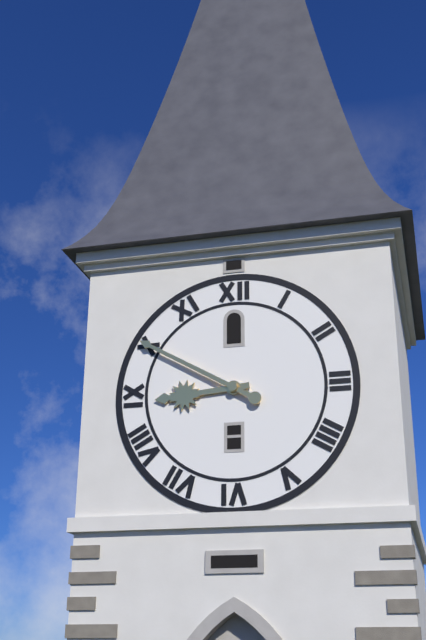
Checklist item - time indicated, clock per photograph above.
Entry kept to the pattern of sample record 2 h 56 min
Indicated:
8 h 50 min
